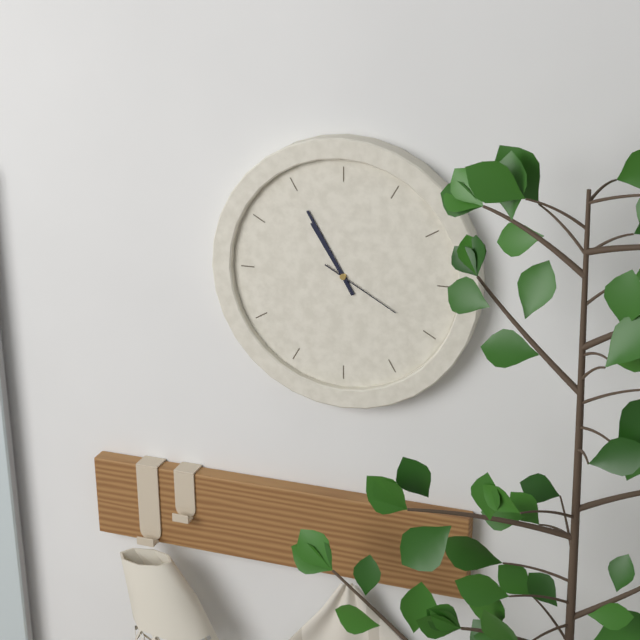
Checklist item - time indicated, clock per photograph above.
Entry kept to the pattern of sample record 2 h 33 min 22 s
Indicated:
10 h 55 min 20 s
